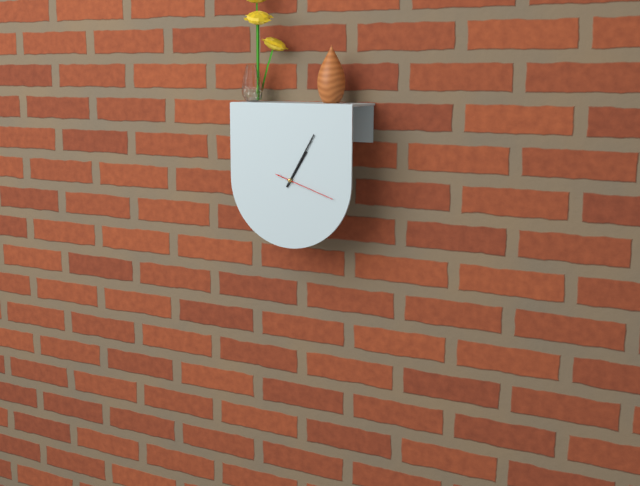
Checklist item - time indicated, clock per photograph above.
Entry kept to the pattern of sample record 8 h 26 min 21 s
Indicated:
1 h 05 min 18 s
